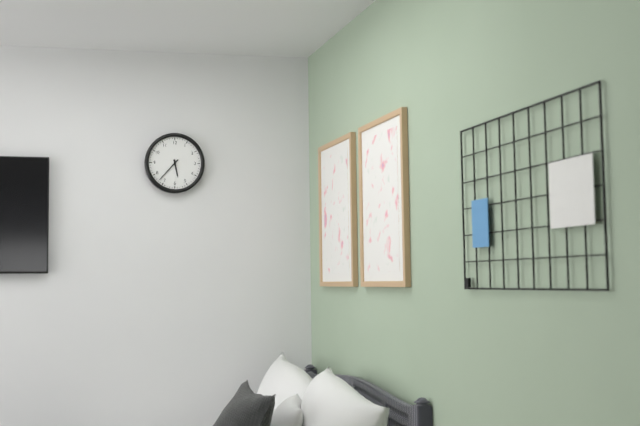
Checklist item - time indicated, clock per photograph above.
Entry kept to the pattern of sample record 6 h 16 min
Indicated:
5 h 37 min
